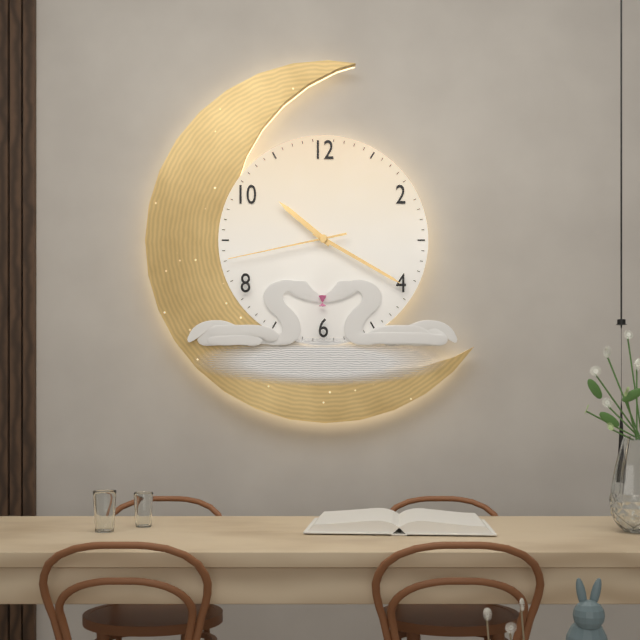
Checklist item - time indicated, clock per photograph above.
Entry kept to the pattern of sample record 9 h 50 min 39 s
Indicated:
10 h 20 min 43 s
